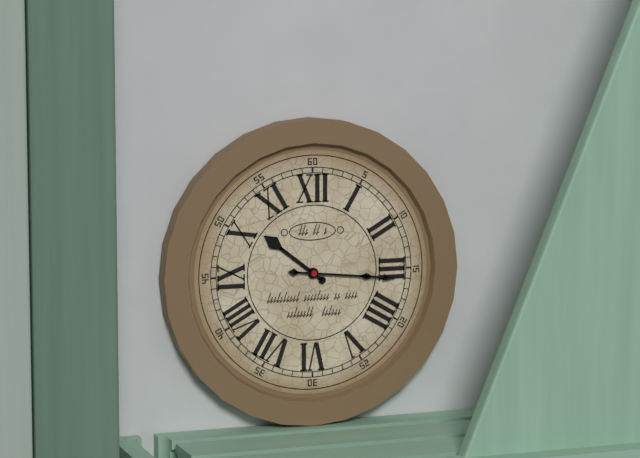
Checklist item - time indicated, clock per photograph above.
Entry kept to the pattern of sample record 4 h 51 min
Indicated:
10 h 16 min
